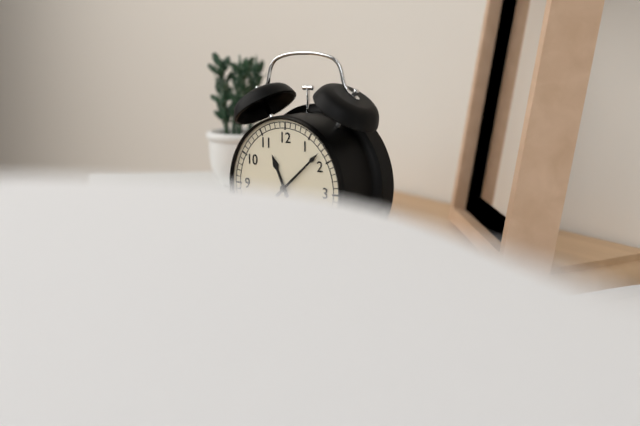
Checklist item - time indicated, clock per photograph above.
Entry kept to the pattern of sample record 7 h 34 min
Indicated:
11 h 08 min
